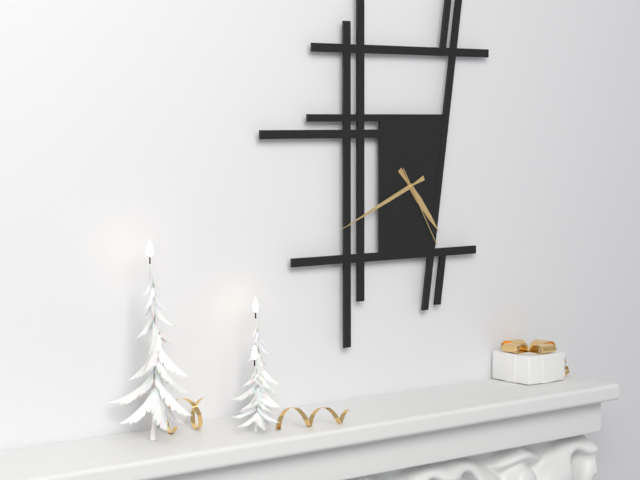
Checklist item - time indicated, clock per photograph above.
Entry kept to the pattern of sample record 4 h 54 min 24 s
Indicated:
4 h 41 min 25 s
